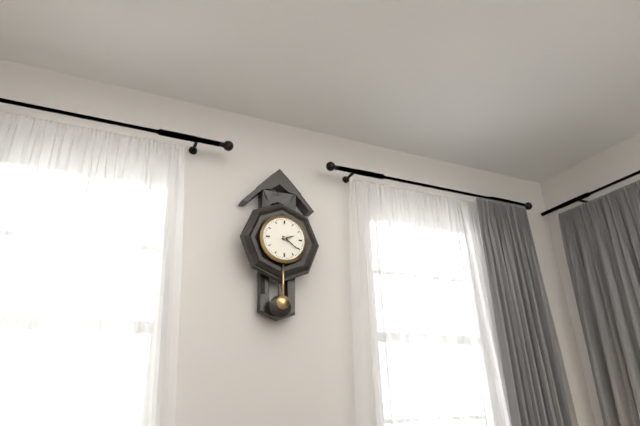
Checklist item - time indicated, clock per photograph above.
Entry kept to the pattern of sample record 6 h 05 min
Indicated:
2 h 21 min
